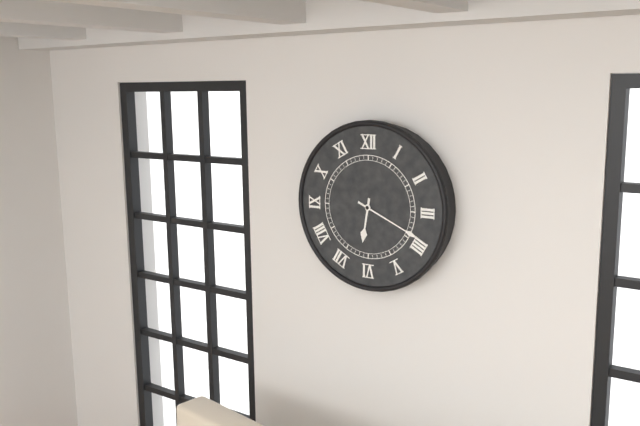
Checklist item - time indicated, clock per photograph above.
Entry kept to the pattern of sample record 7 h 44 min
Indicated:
6 h 19 min
